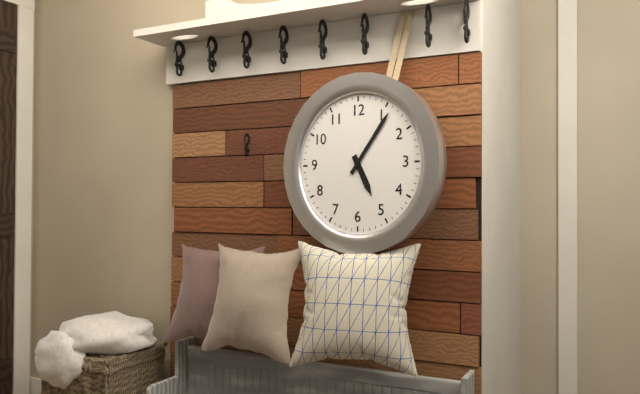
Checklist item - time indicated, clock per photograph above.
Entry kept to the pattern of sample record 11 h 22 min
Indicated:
5 h 06 min
